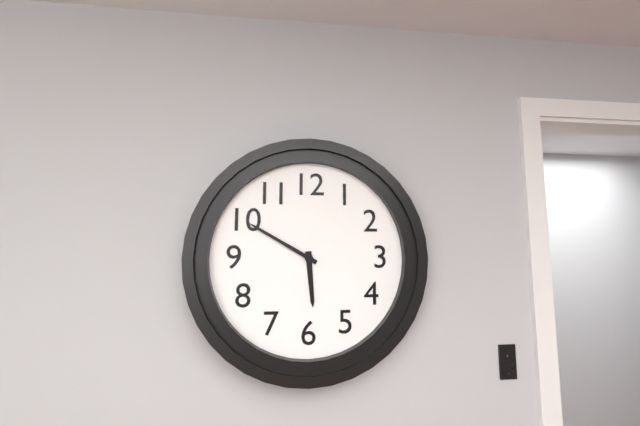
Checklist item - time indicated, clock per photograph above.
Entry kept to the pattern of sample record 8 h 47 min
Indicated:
5 h 50 min
